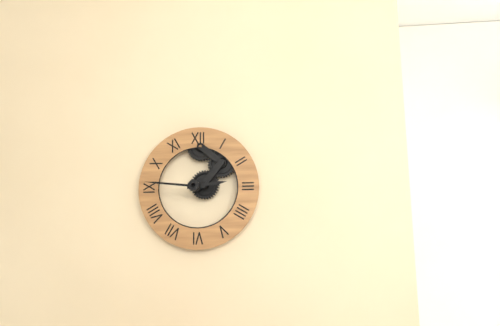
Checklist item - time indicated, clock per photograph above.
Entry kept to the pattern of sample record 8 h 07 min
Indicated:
2 h 46 min
